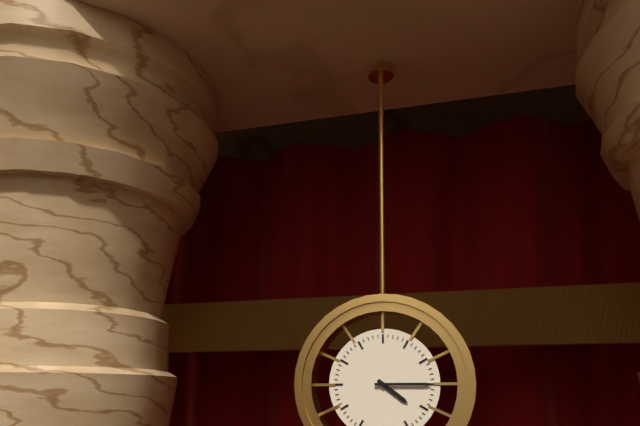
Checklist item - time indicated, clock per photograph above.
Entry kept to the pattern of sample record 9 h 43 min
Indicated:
4 h 15 min
